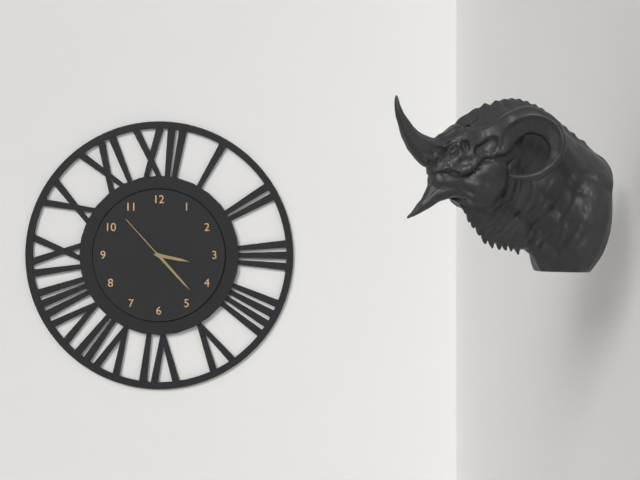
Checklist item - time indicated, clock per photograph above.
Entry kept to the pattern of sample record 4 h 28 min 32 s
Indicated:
3 h 23 min 53 s
